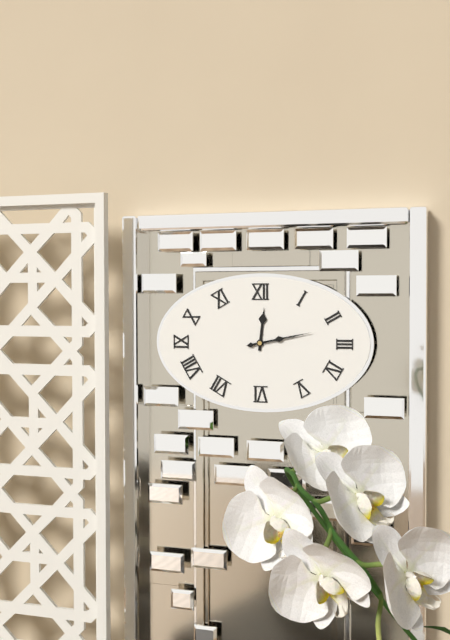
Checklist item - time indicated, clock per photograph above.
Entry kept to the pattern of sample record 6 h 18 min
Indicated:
12 h 13 min
